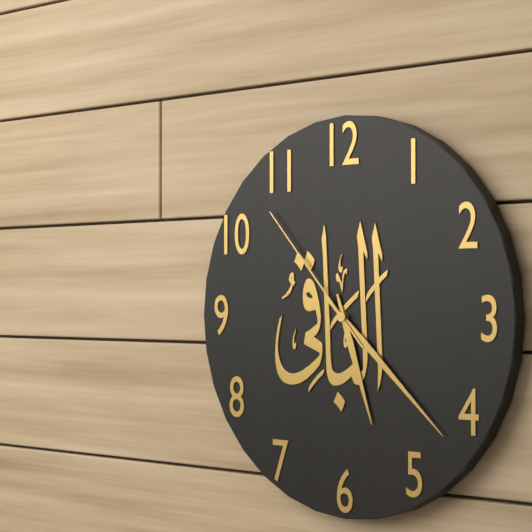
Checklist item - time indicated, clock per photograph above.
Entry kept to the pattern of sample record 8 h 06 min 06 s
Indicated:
5 h 22 min 53 s
